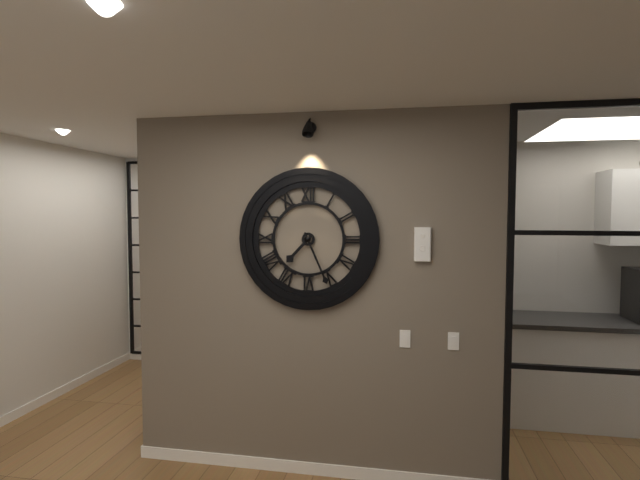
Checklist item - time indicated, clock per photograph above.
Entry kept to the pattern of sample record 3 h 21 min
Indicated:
7 h 26 min
